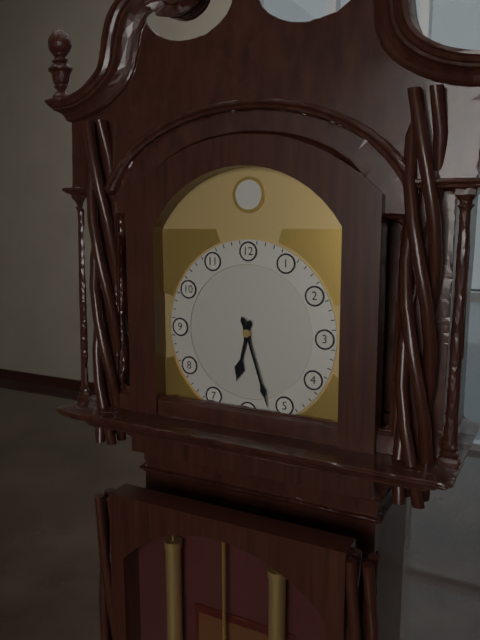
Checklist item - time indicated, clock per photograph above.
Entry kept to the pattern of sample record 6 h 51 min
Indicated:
6 h 27 min
